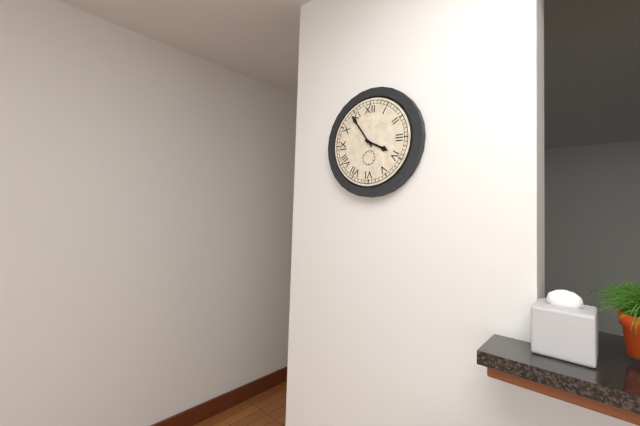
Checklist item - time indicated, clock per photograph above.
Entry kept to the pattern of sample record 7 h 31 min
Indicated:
3 h 54 min
